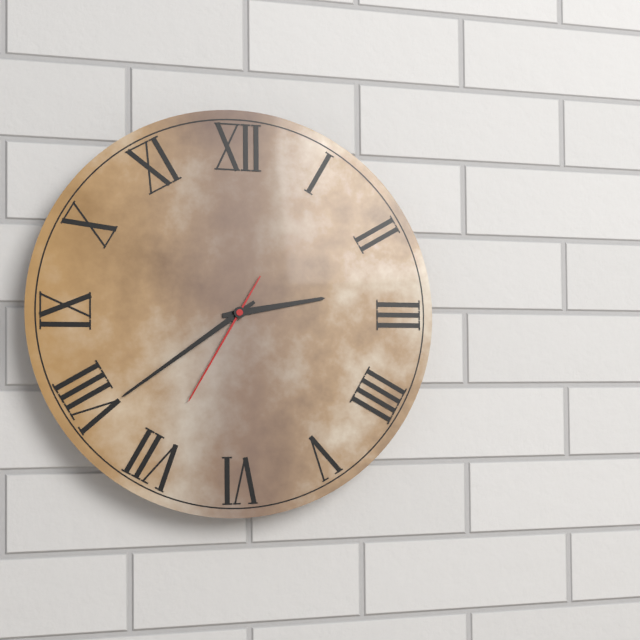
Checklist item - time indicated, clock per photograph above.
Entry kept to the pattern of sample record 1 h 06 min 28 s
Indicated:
2 h 39 min 35 s
